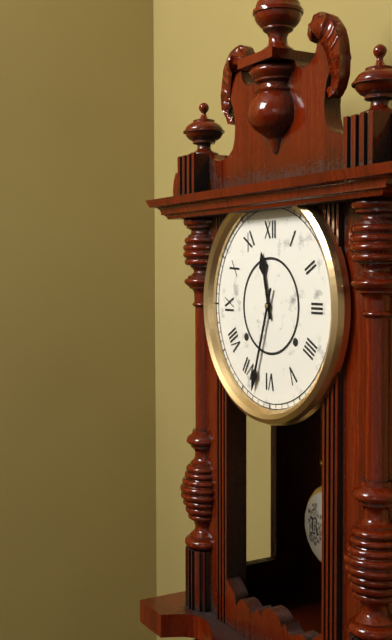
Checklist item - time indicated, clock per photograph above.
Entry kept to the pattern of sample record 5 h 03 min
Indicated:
11 h 33 min
